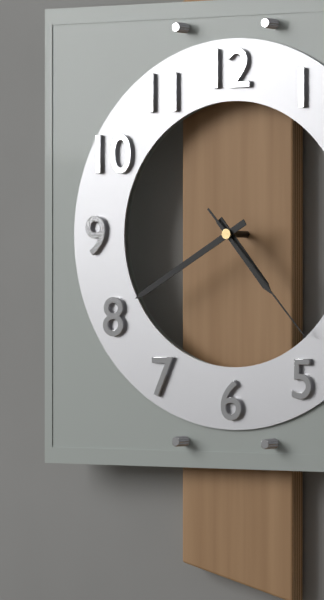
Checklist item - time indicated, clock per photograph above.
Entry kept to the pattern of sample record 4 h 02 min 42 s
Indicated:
4 h 40 min 23 s
